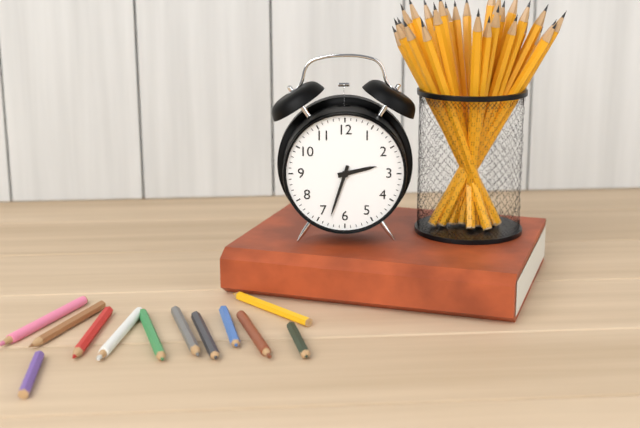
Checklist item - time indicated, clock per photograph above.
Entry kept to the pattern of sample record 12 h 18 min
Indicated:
2 h 33 min
